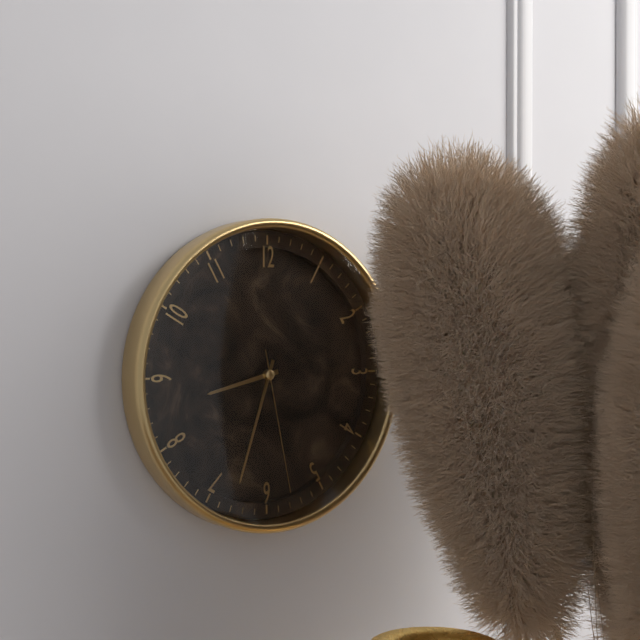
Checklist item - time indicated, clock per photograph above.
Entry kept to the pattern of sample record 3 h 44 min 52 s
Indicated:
8 h 33 min 28 s
